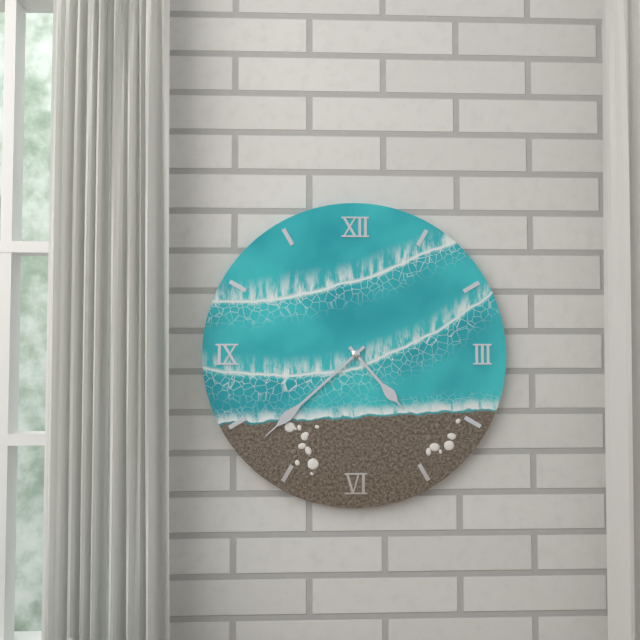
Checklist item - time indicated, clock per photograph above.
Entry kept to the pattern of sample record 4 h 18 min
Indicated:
4 h 38 min
